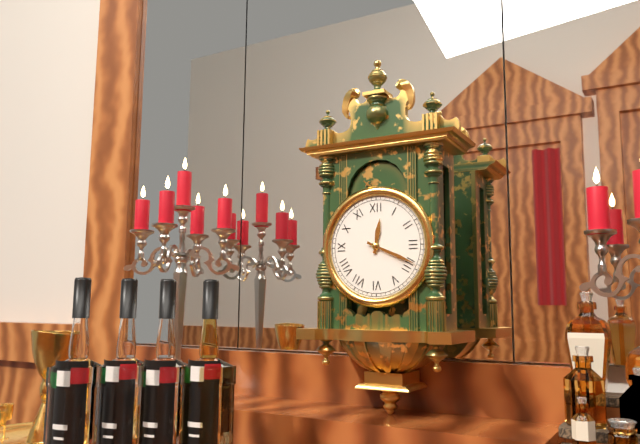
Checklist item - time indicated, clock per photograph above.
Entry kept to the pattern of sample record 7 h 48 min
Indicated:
12 h 19 min
